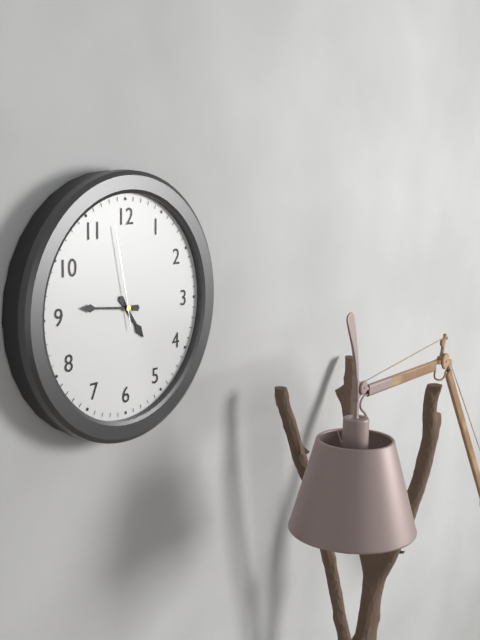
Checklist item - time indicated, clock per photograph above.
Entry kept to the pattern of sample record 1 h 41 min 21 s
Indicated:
4 h 46 min 58 s
